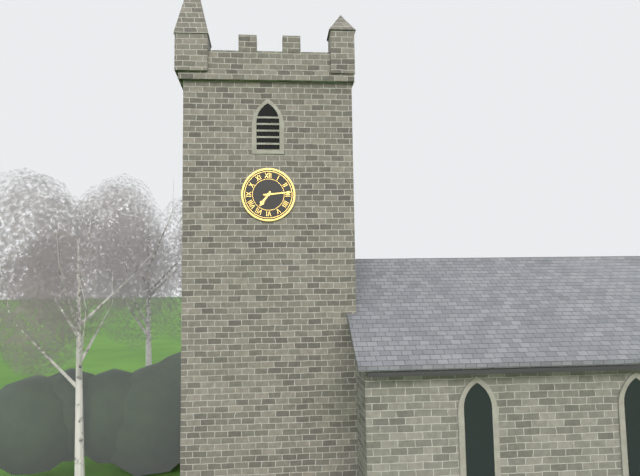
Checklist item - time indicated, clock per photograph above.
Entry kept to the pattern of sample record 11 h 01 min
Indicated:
7 h 14 min
